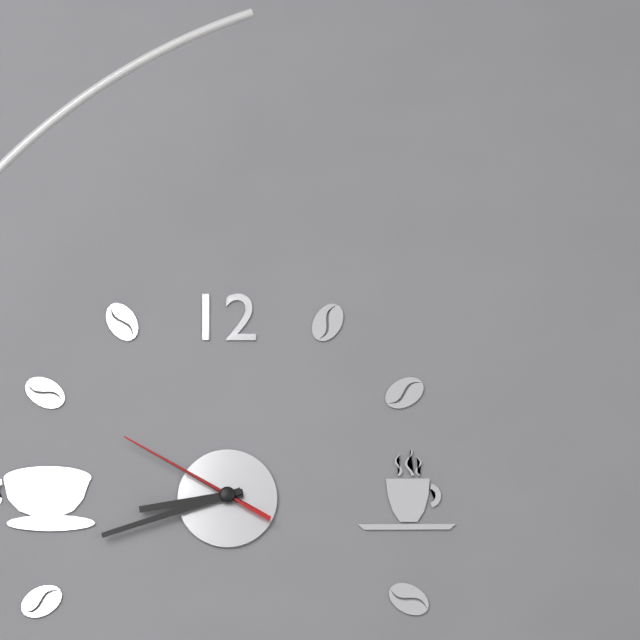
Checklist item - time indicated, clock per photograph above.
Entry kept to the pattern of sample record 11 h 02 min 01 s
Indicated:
8 h 42 min 50 s
